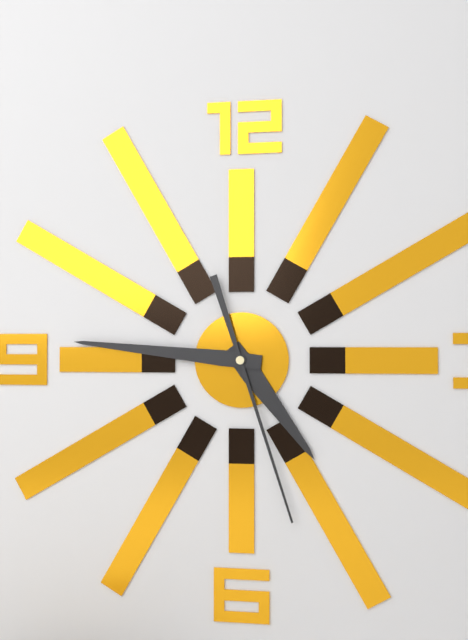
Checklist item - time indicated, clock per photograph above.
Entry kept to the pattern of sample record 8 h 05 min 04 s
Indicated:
4 h 46 min 27 s
